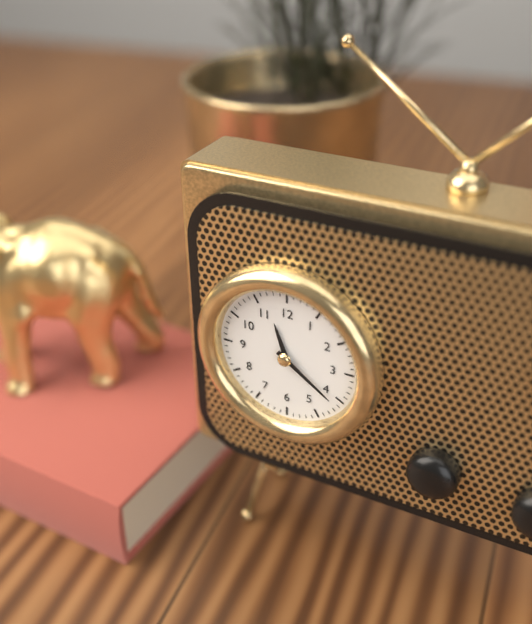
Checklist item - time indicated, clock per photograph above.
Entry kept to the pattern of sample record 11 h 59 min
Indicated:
11 h 21 min
